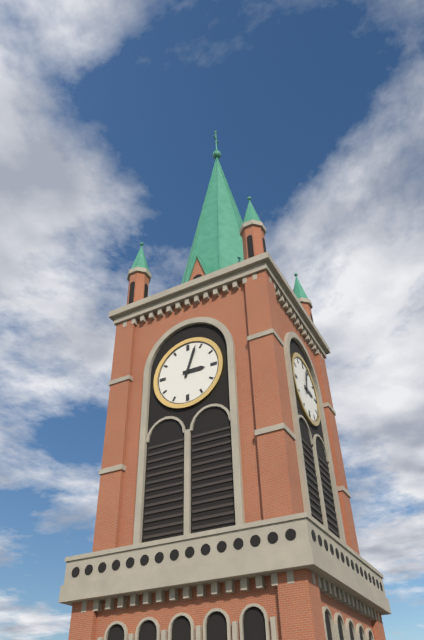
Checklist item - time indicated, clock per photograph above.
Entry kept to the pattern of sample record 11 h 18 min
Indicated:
3 h 03 min
